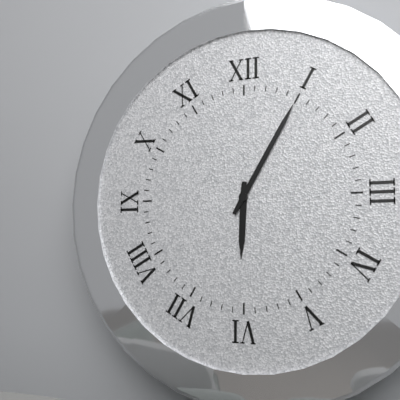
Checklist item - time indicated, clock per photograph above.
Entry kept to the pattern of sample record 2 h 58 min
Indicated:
6 h 05 min
